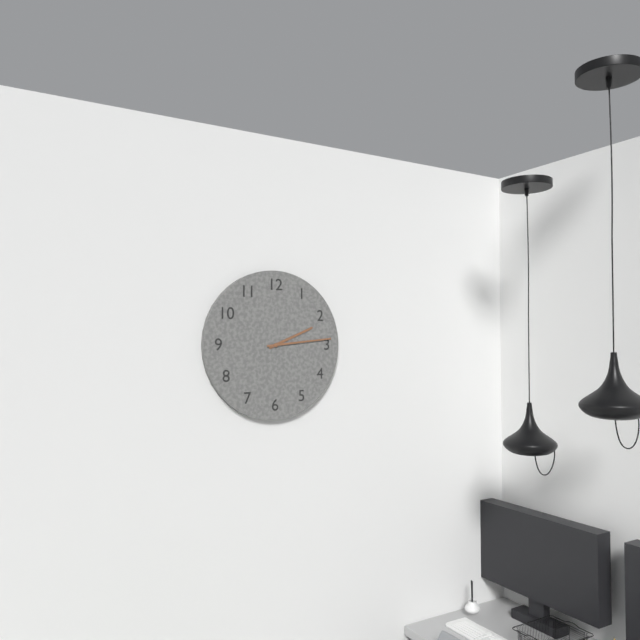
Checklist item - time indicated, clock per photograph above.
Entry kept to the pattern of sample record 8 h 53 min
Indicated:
2 h 14 min
